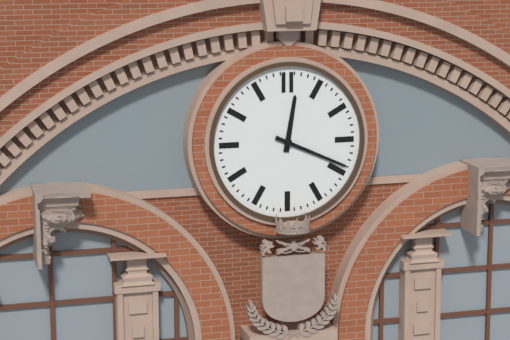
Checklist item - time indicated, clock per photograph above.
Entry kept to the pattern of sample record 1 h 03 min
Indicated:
12 h 19 min
